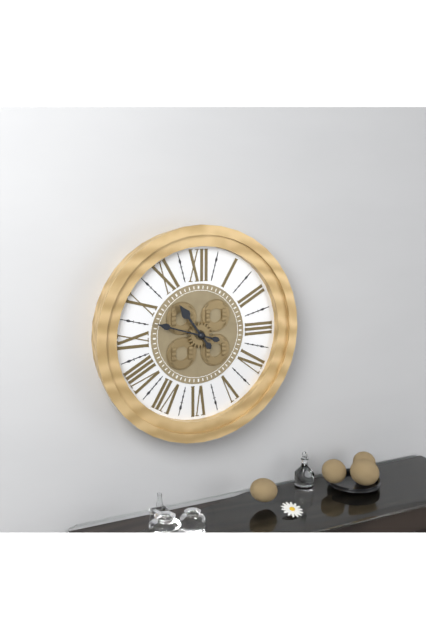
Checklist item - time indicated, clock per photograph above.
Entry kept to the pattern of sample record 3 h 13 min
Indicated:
10 h 48 min
